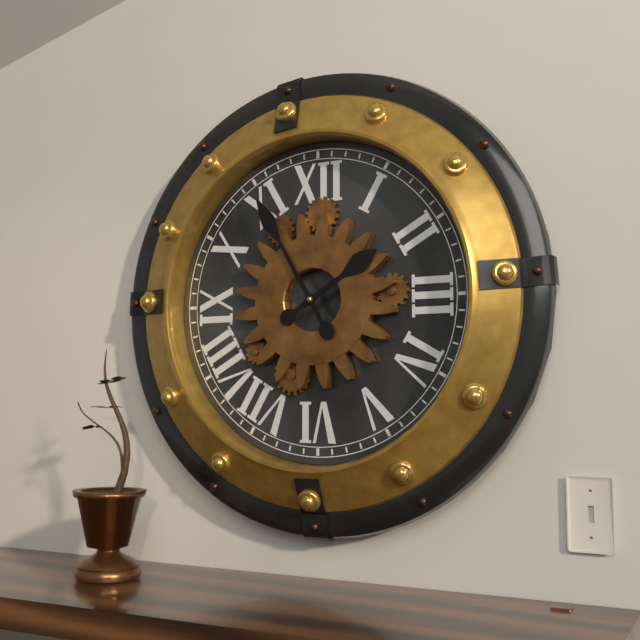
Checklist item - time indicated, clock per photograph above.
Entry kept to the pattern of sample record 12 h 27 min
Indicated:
1 h 55 min
